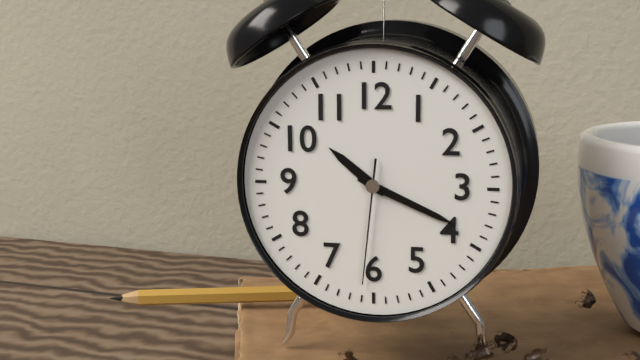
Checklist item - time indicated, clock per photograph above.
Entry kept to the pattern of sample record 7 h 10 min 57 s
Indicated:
10 h 19 min 31 s
